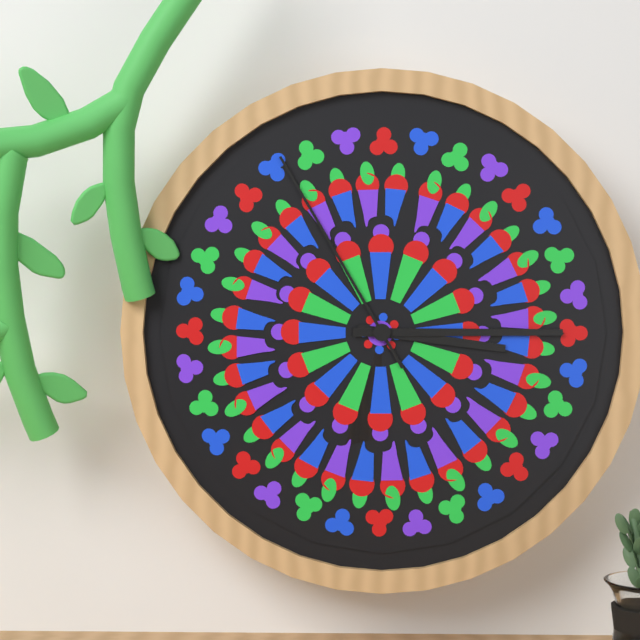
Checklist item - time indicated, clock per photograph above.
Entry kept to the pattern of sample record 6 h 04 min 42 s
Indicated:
3 h 15 min 55 s
